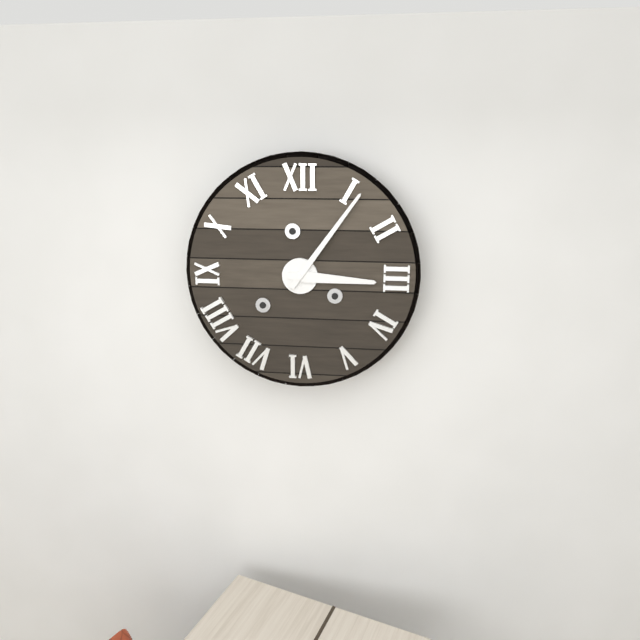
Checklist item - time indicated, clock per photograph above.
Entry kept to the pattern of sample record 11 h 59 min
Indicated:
3 h 06 min
